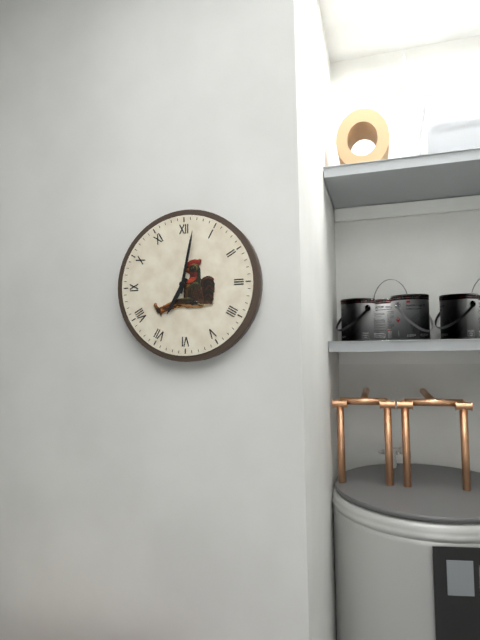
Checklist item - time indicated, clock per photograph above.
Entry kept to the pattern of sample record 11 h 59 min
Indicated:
7 h 02 min
